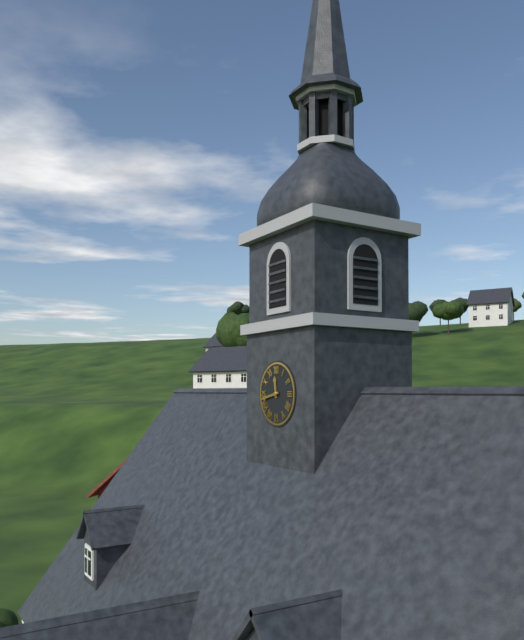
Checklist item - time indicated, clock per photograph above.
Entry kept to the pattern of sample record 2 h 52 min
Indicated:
11 h 43 min
